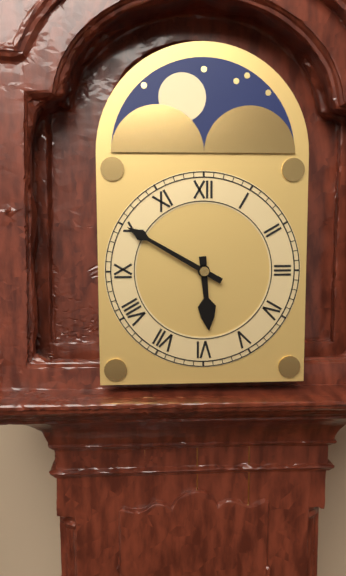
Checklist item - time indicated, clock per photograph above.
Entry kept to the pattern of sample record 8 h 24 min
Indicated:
5 h 50 min
